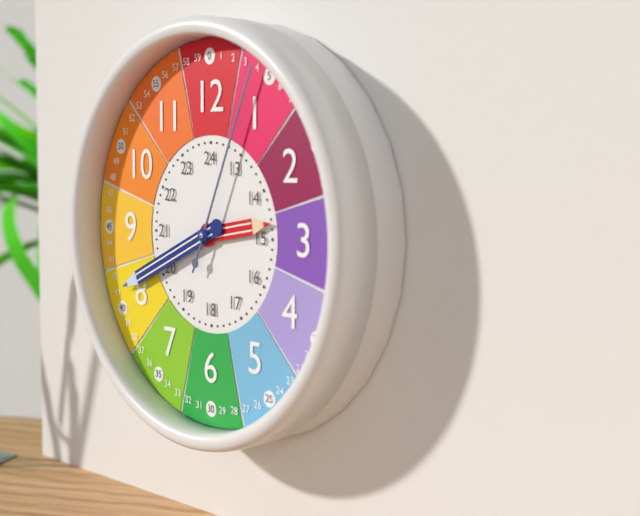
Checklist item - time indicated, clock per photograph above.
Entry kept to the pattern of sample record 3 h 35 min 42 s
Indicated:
2 h 41 min 04 s
